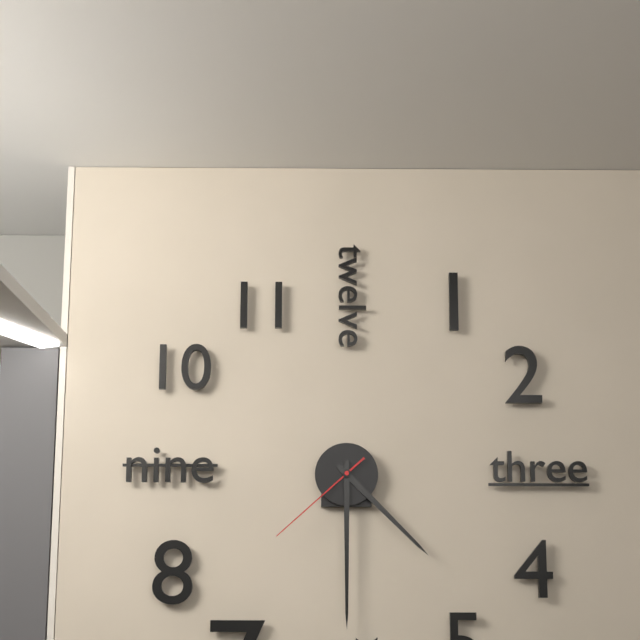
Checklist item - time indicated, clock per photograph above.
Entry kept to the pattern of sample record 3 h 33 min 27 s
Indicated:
4 h 30 min 38 s
